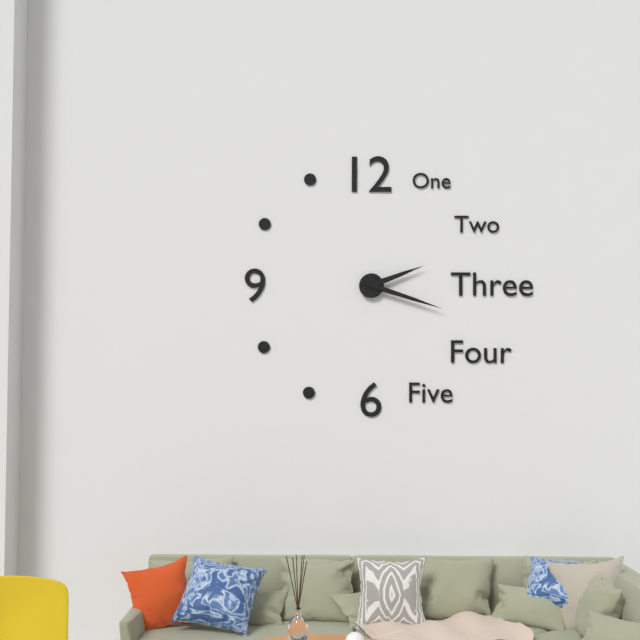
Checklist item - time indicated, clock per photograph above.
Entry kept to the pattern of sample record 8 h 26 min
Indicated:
2 h 18 min
